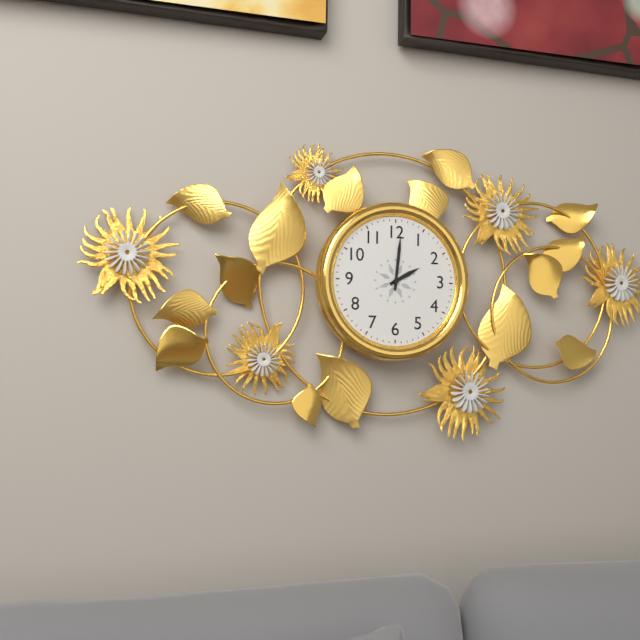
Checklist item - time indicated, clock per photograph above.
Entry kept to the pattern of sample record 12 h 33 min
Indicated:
2 h 01 min
